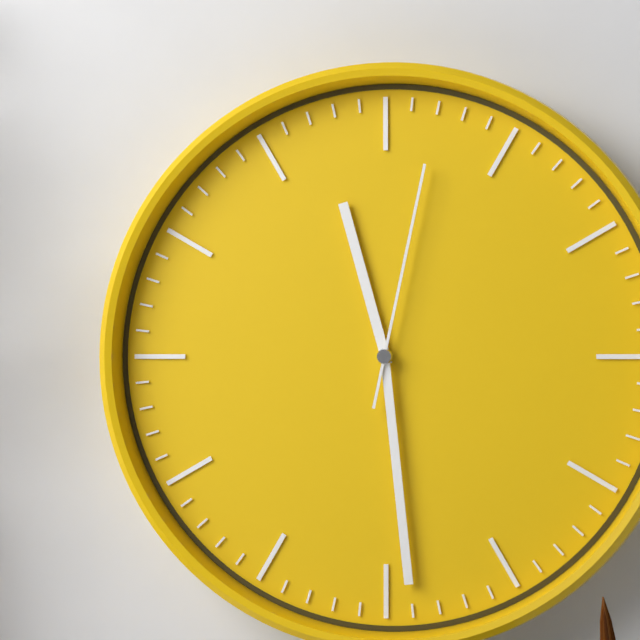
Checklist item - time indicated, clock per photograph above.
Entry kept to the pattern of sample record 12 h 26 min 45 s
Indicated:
11 h 29 min 02 s
